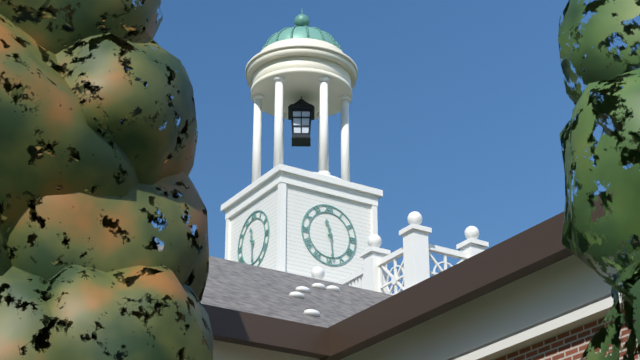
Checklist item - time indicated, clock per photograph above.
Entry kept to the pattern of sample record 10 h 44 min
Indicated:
11 h 29 min
